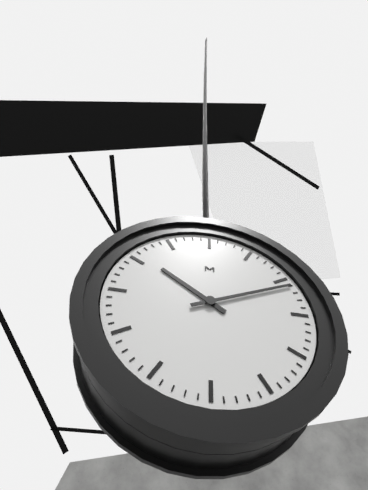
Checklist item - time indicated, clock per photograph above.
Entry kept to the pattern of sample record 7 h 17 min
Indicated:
10 h 11 min
